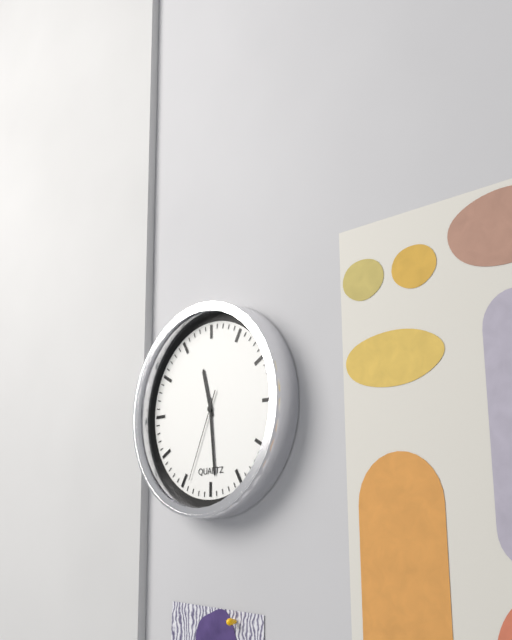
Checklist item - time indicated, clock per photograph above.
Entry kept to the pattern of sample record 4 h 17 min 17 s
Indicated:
11 h 29 min 34 s
